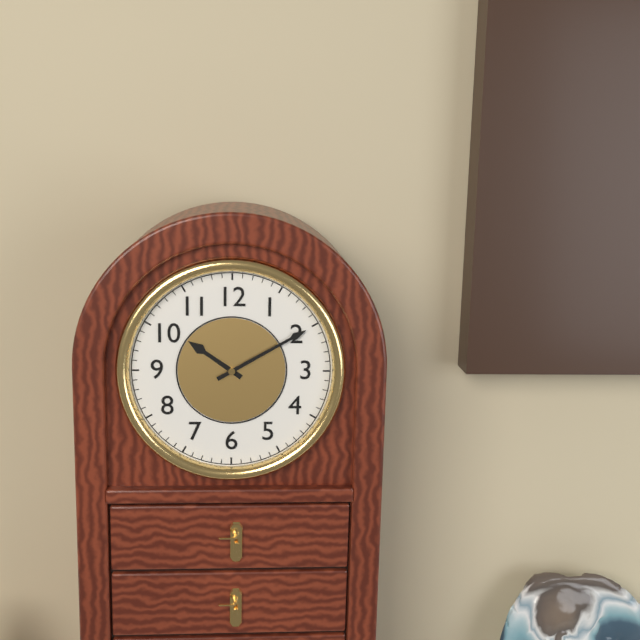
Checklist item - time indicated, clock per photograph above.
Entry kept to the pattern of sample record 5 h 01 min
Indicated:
10 h 10 min
